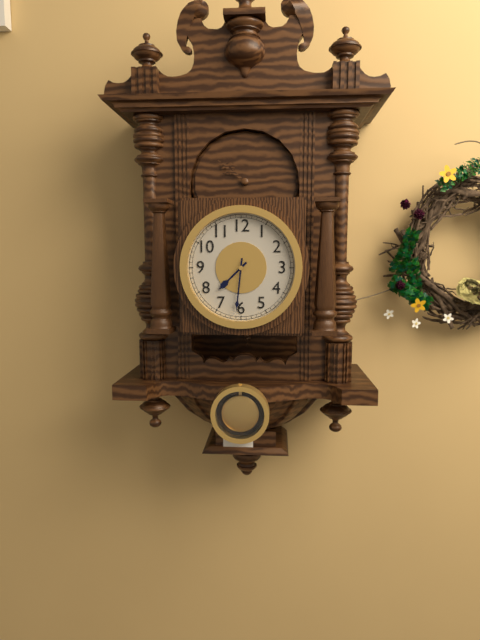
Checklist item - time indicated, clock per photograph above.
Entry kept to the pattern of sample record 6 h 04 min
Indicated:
7 h 31 min
